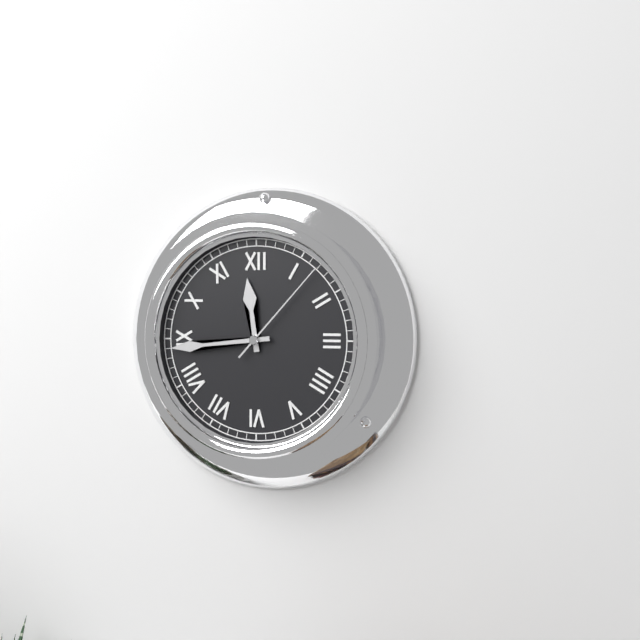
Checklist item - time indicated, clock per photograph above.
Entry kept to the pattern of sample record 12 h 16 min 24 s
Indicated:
11 h 44 min 07 s
